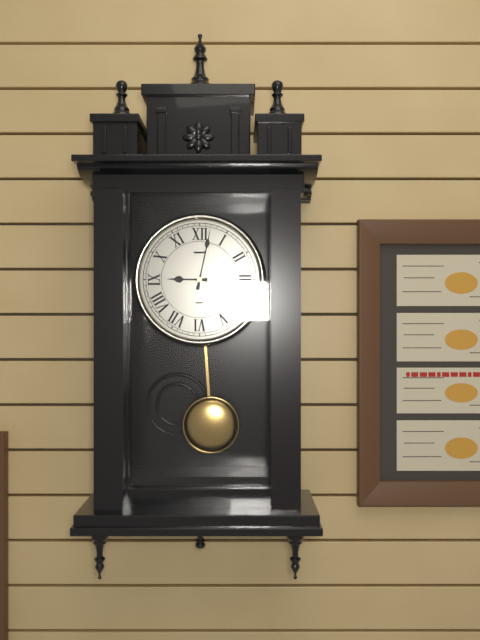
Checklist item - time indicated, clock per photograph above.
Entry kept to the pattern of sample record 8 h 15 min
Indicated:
9 h 02 min
